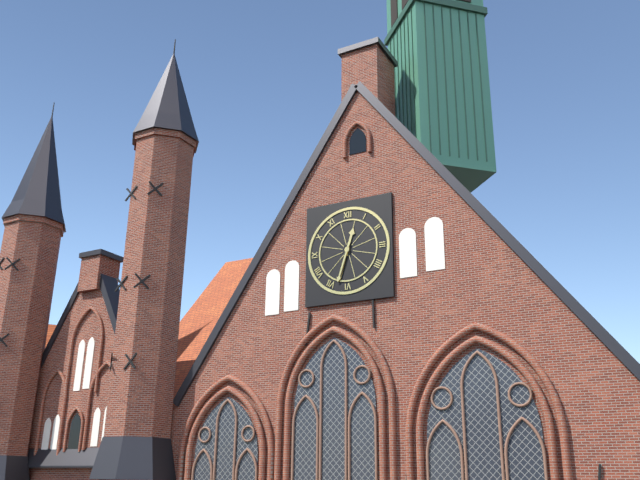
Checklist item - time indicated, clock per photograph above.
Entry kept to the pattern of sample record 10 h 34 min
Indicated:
12 h 33 min
